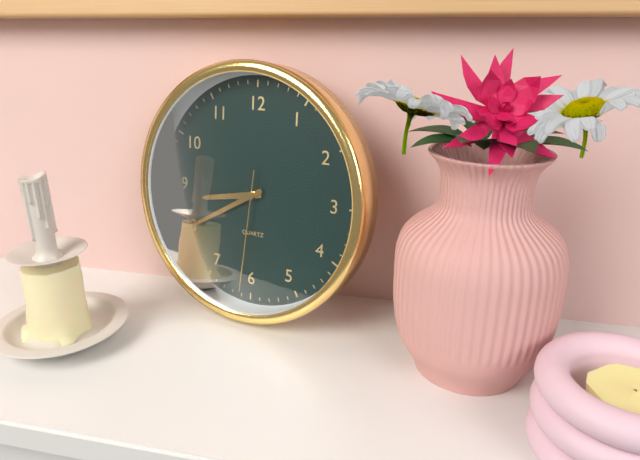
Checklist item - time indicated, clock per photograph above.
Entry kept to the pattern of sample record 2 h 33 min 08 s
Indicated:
8 h 40 min 31 s
